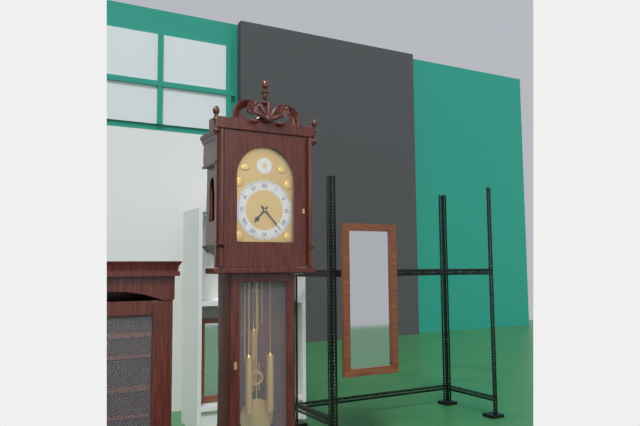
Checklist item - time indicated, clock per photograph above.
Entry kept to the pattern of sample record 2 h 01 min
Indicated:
7 h 23 min
